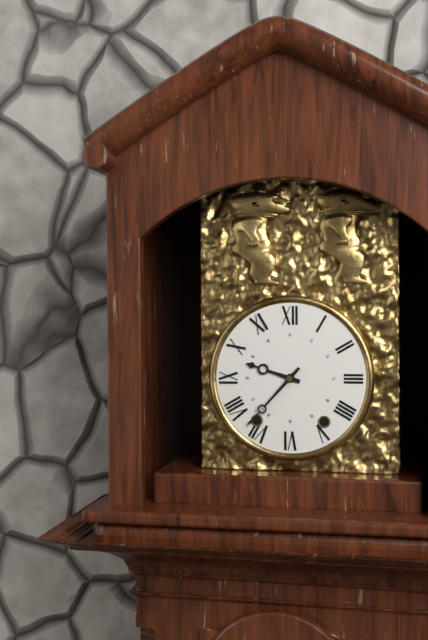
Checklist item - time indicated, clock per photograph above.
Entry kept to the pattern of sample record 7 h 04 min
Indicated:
9 h 37 min
